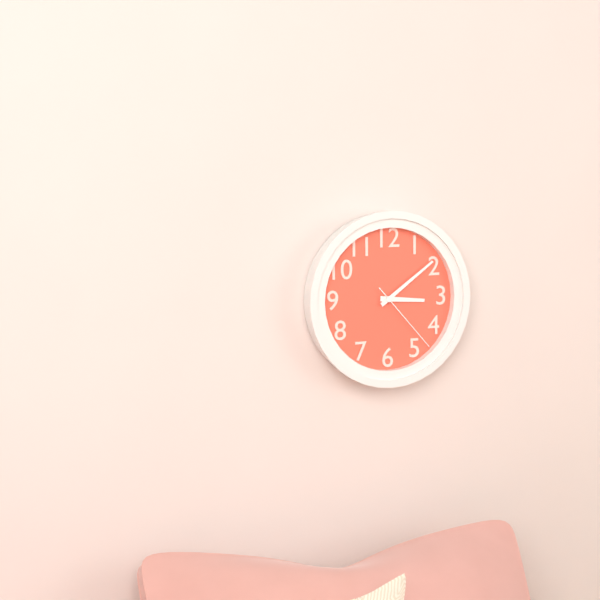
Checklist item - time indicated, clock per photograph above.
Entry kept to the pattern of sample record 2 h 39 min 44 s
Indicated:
3 h 09 min 23 s
